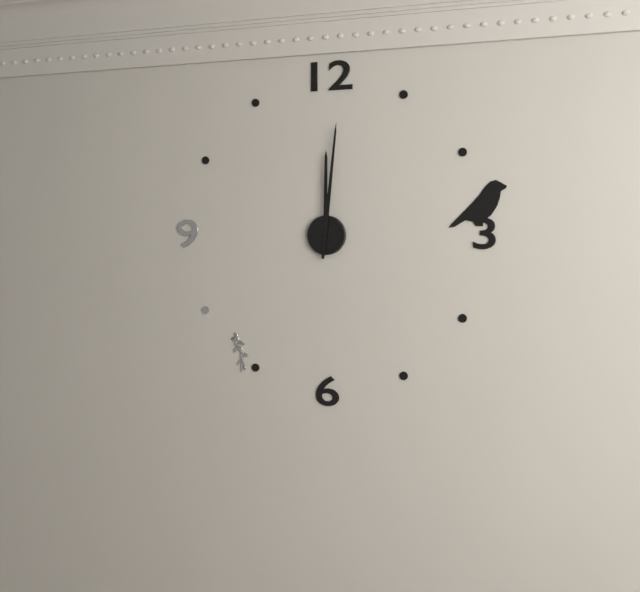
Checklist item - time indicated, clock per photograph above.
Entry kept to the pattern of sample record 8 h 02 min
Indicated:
12 h 01 min
